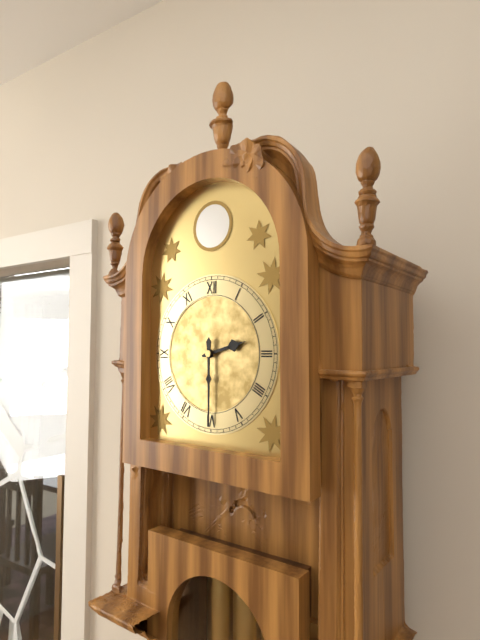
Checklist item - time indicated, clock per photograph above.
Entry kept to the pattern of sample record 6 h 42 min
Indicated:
2 h 30 min
